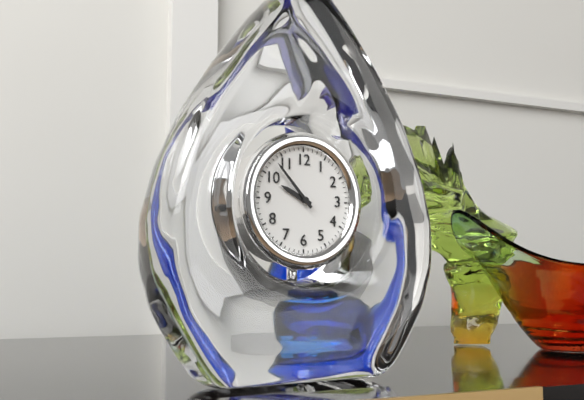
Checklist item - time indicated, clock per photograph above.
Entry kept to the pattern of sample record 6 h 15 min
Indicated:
9 h 53 min
